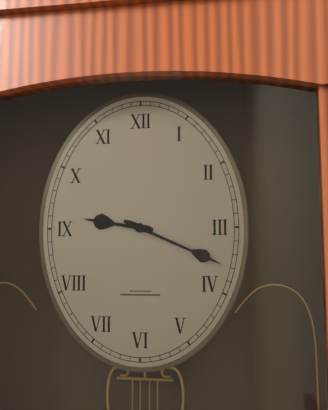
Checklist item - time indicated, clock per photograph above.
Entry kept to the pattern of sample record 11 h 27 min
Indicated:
9 h 19 min
